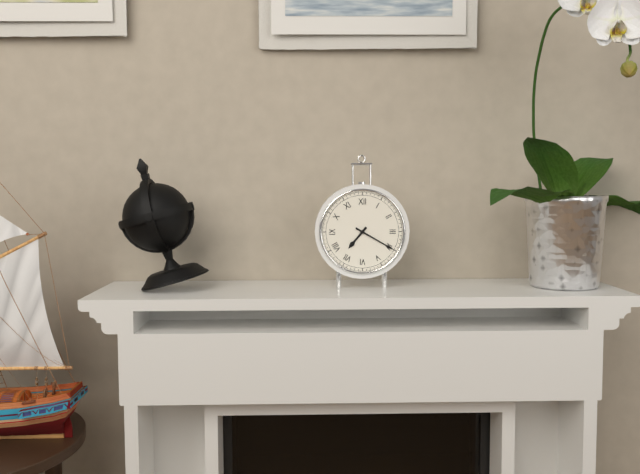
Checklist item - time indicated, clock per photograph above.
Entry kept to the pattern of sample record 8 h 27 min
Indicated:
7 h 20 min
